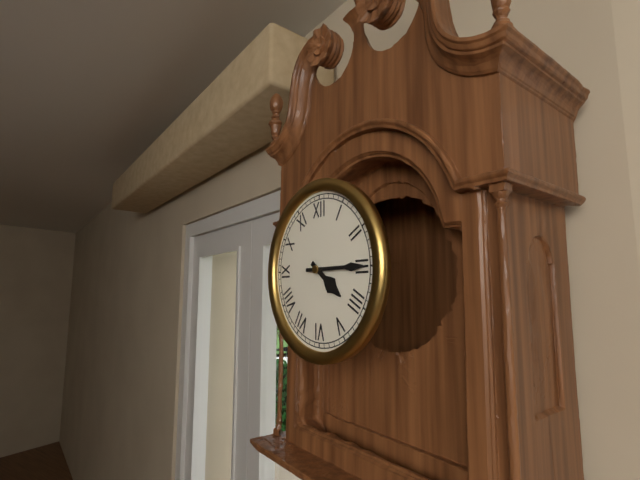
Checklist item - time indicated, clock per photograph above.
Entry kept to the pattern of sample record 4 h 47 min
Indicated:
4 h 15 min
